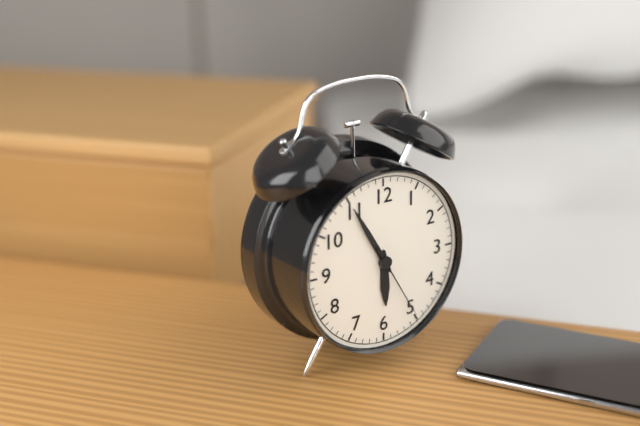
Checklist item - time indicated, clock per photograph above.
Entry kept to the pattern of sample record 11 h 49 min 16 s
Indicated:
5 h 55 min 25 s
